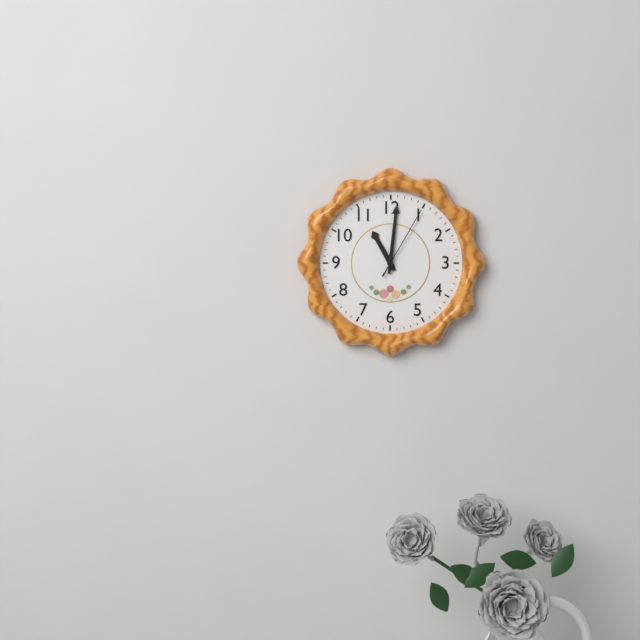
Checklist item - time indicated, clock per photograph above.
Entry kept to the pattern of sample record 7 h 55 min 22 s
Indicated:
11 h 01 min 05 s
